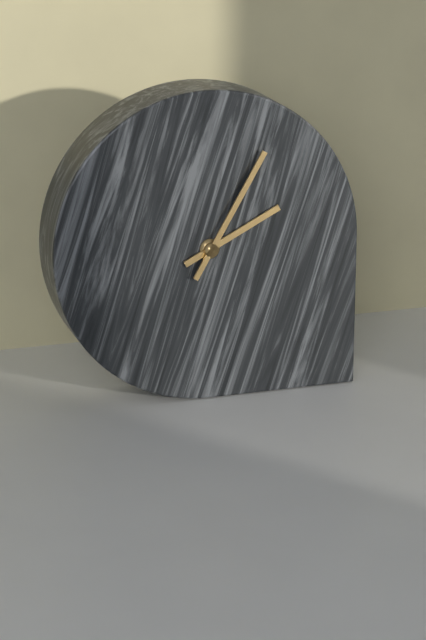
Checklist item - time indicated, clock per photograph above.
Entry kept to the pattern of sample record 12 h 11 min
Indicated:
2 h 05 min
